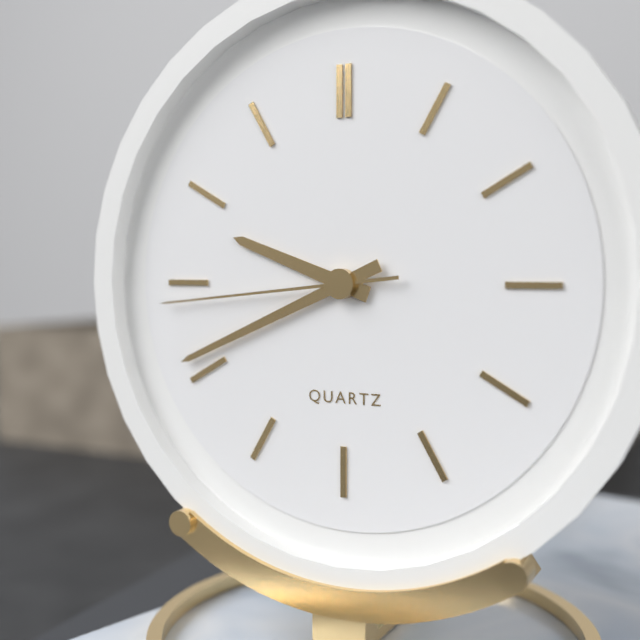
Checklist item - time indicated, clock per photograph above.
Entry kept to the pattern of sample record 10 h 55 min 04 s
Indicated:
9 h 41 min 44 s
